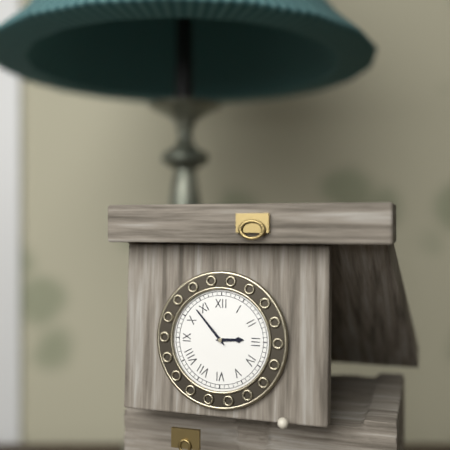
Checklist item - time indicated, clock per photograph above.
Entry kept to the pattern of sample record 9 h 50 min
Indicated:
2 h 53 min
